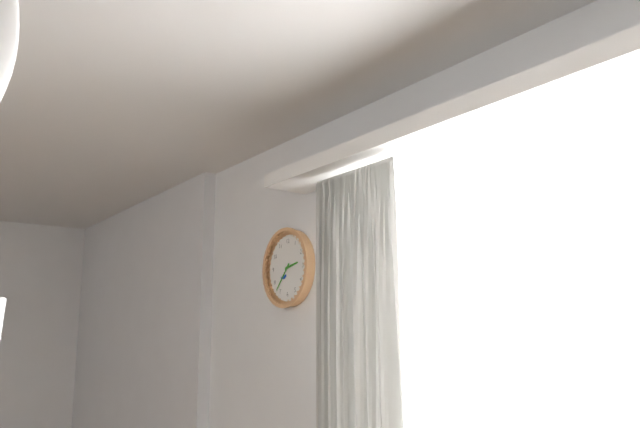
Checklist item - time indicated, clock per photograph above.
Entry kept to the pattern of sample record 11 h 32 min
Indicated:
2 h 37 min
